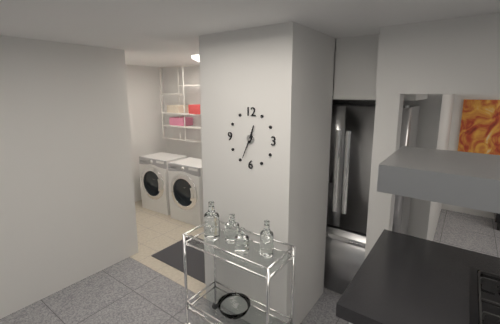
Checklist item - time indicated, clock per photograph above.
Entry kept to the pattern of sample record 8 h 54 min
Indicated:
12 h 34 min
